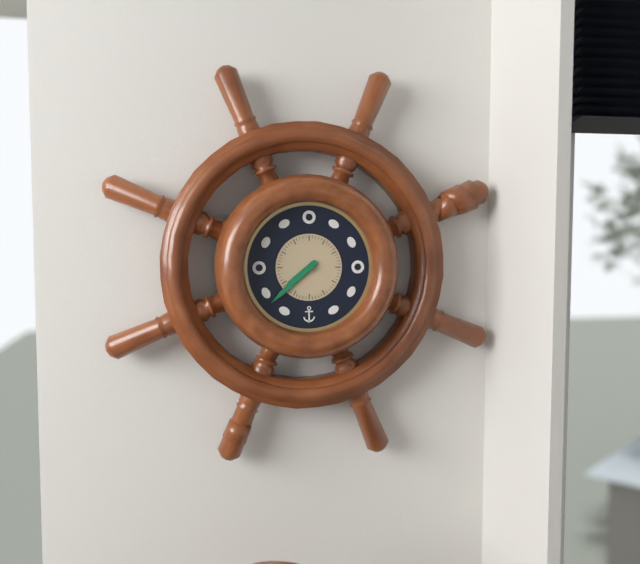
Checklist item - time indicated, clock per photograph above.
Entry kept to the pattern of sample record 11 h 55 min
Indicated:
7 h 38 min
